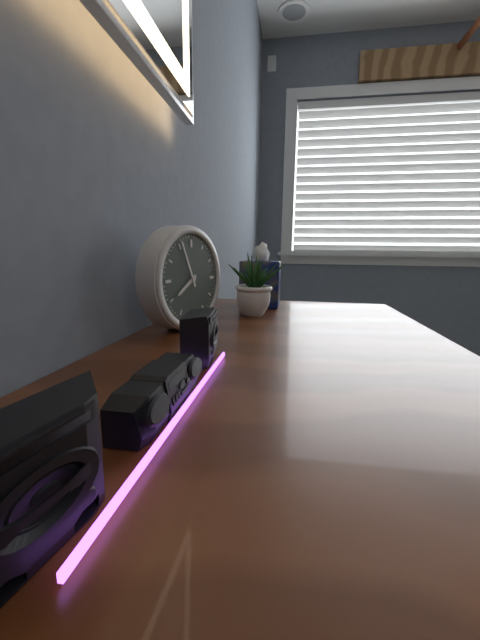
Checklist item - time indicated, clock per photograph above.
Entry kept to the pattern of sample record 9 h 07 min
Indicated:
7 h 56 min
